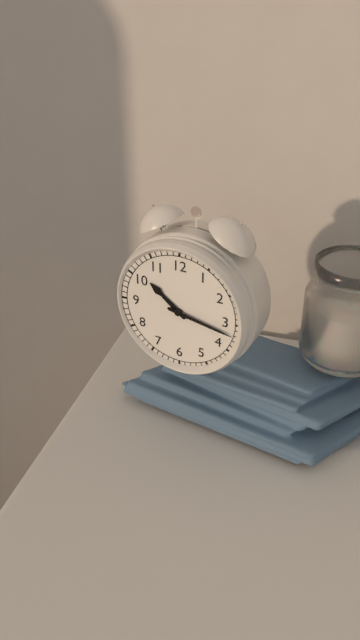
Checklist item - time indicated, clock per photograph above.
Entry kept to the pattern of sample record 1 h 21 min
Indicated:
10 h 17 min
